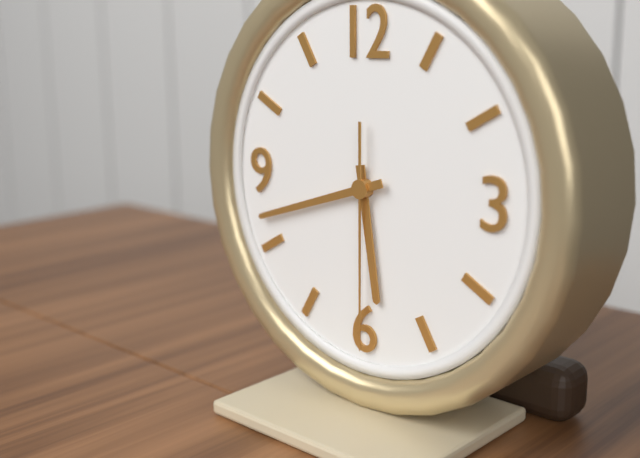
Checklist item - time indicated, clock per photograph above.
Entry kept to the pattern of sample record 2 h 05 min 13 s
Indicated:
5 h 42 min 30 s
